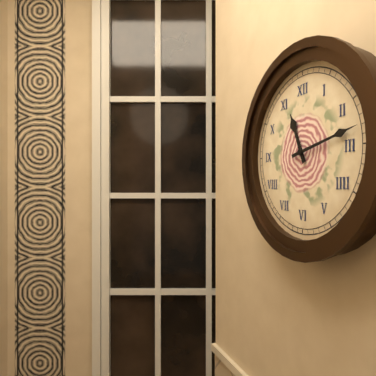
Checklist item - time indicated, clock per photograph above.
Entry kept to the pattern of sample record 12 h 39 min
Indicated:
11 h 13 min
